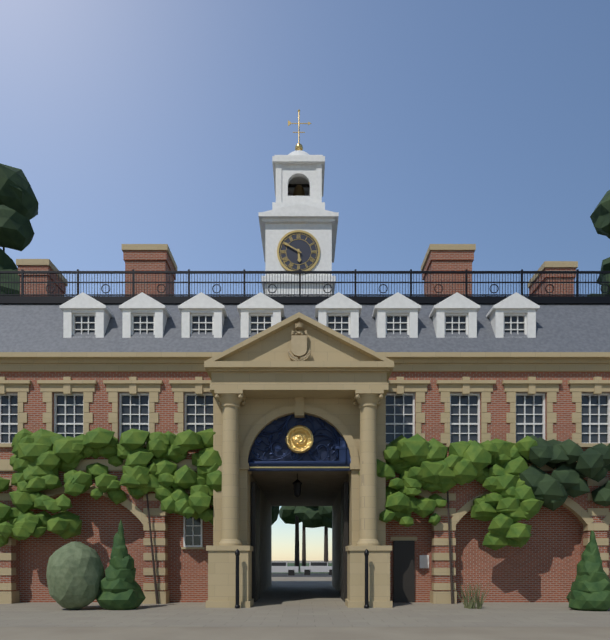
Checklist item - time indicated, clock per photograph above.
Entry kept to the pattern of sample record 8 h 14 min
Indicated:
5 h 50 min
